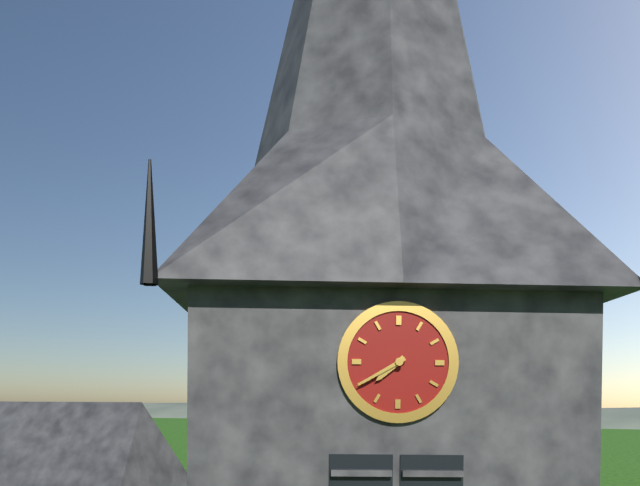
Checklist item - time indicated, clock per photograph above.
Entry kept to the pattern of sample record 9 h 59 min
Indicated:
7 h 40 min
